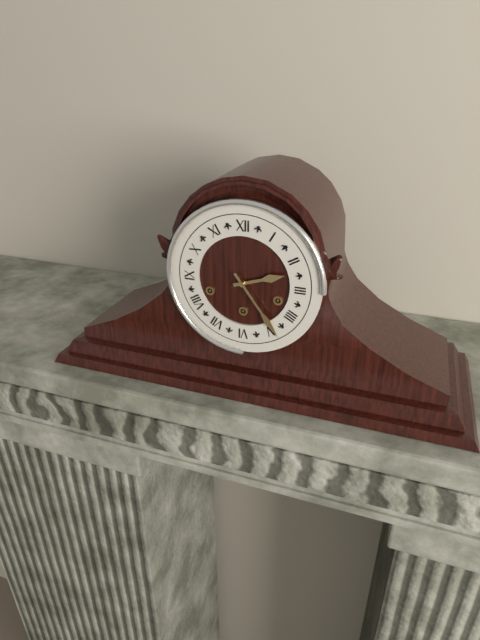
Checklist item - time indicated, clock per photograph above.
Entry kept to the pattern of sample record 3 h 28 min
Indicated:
2 h 24 min
